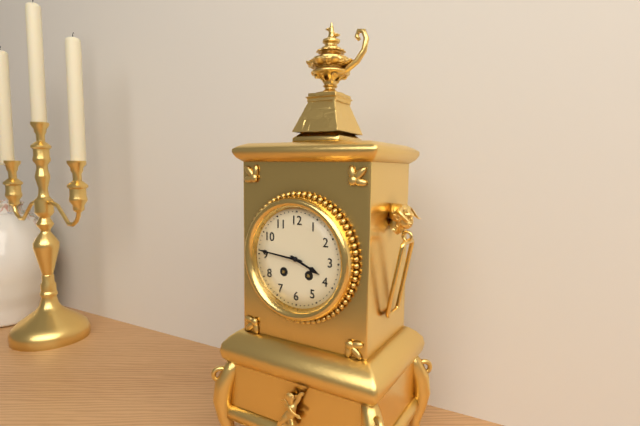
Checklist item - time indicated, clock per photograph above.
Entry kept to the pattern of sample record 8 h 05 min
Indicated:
3 h 46 min
